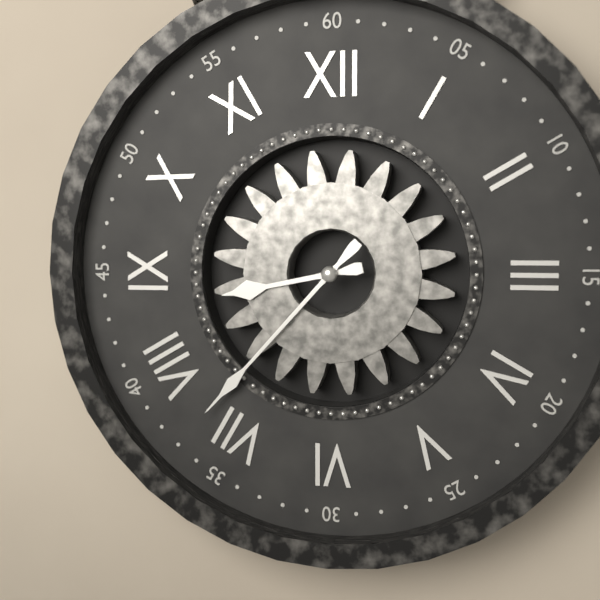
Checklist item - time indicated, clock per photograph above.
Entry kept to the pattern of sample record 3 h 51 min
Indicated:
8 h 37 min
